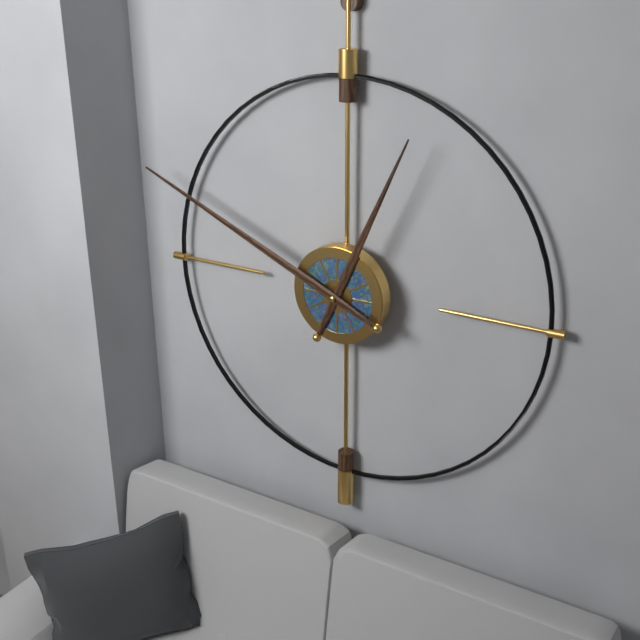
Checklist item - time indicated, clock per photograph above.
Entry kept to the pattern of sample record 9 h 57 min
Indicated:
12 h 49 min
